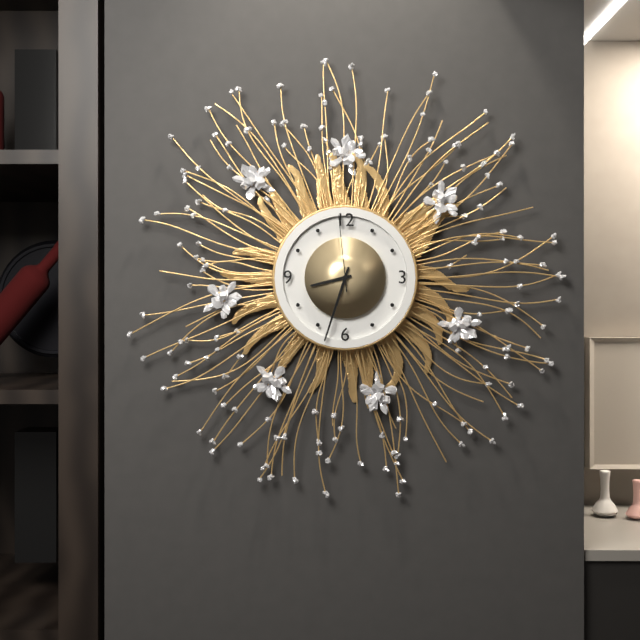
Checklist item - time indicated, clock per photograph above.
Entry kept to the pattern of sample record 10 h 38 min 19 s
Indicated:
8 h 33 min 59 s
